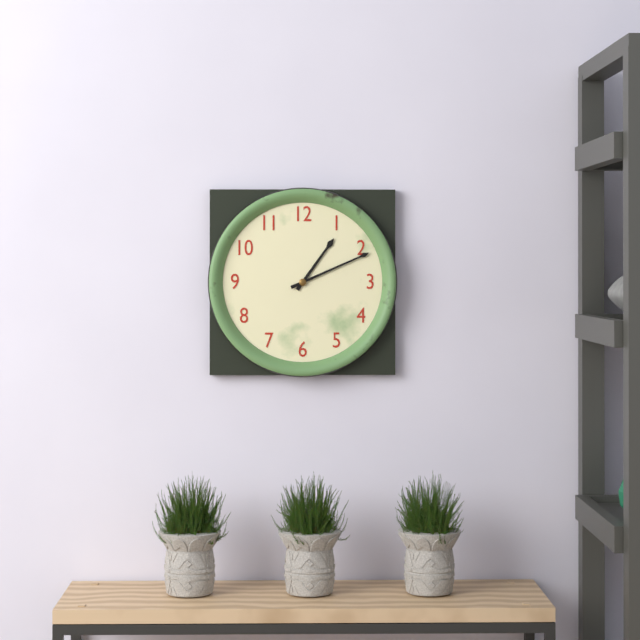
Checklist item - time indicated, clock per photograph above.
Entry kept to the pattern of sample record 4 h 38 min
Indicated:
1 h 11 min
